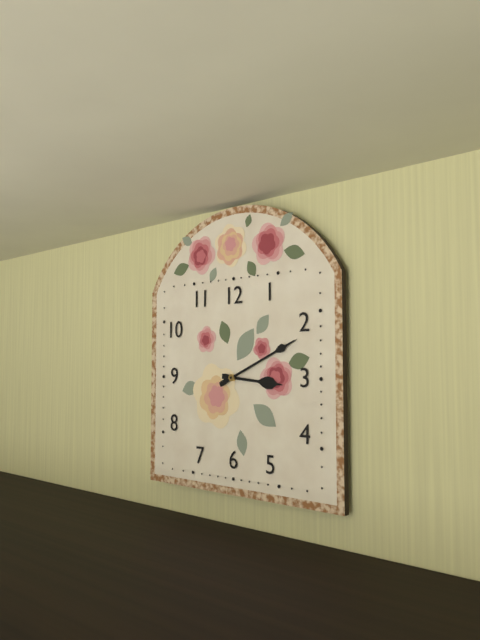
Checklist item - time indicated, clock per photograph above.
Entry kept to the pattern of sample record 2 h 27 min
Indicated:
3 h 11 min
